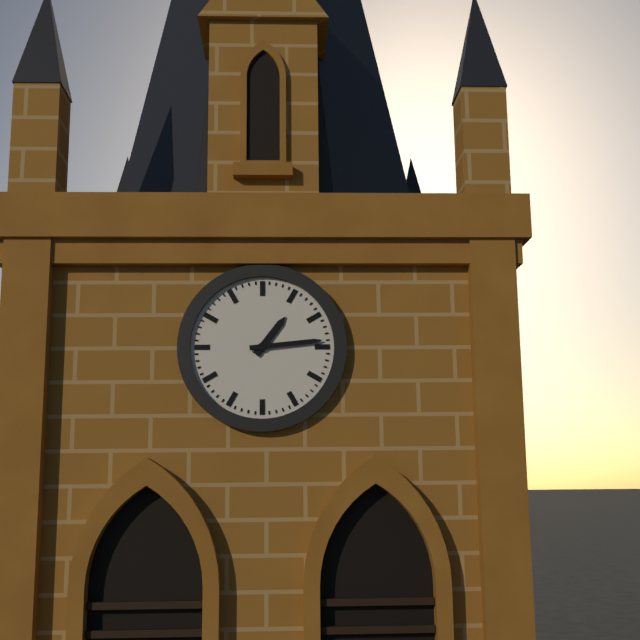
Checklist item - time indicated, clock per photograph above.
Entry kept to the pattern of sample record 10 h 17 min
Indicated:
1 h 14 min
